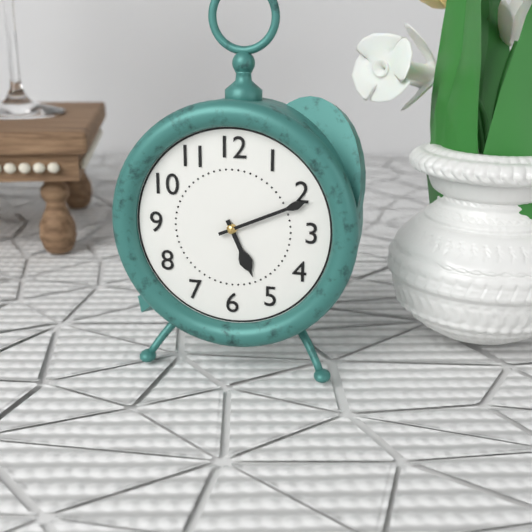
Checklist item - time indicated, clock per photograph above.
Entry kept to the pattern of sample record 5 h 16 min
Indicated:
5 h 11 min
